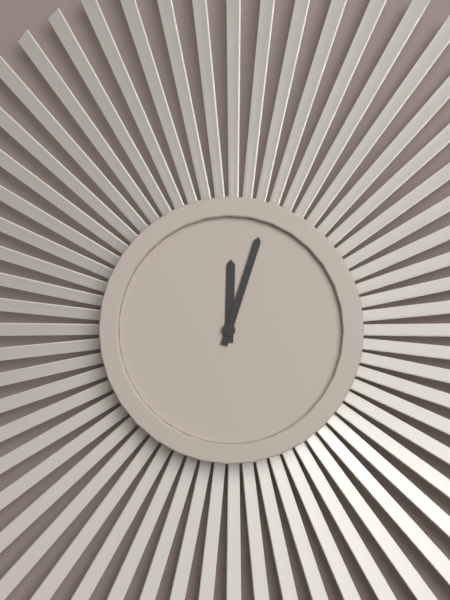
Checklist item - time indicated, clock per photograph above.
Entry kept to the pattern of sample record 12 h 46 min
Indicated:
12 h 03 min
